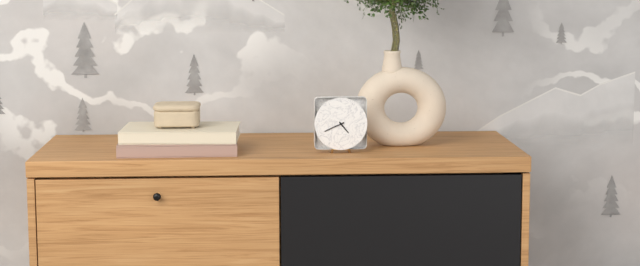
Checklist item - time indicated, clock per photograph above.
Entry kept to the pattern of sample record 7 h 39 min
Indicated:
4 h 41 min
